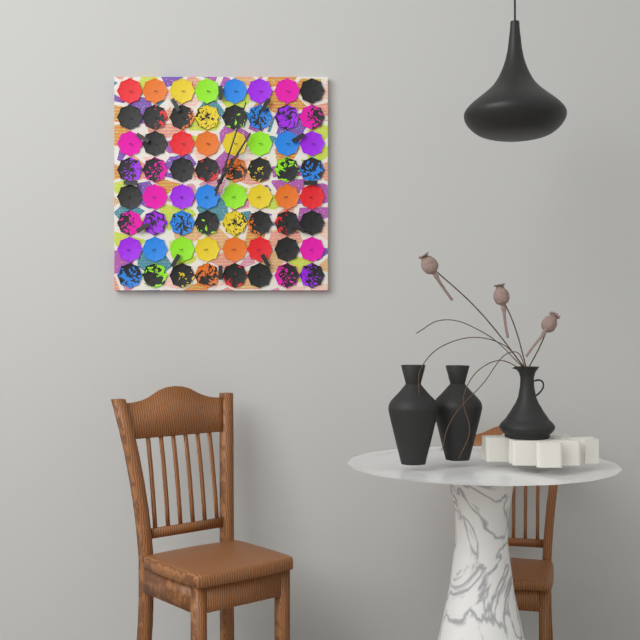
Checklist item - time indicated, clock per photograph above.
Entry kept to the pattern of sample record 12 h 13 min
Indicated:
1 h 03 min
